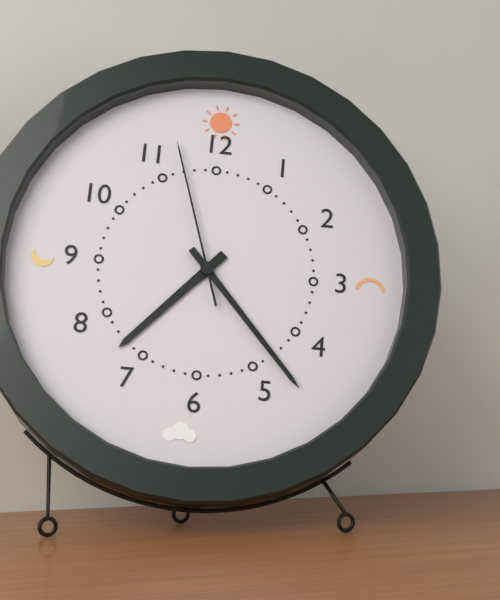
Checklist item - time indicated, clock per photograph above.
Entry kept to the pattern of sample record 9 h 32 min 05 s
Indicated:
7 h 23 min 57 s
